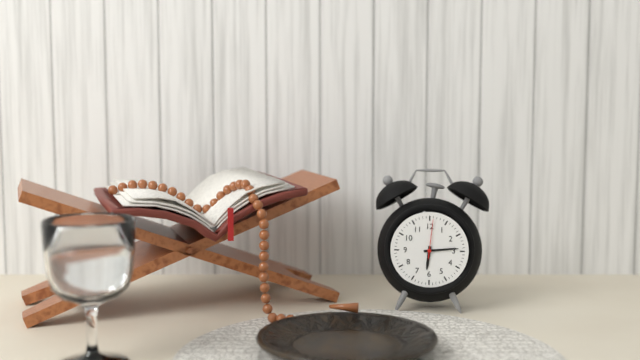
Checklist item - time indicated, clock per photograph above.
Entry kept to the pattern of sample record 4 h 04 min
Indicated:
6 h 14 min
